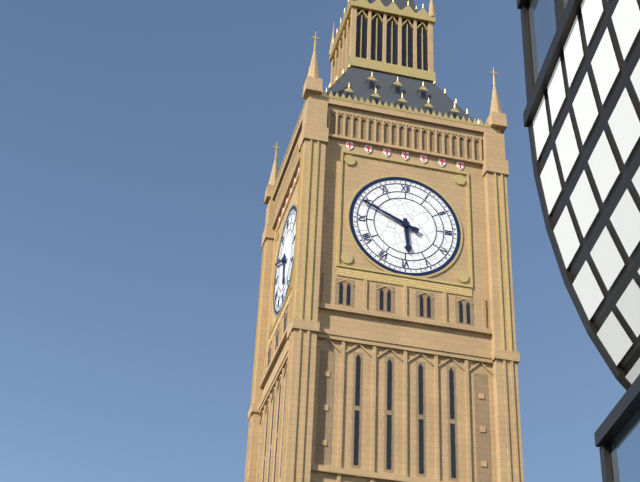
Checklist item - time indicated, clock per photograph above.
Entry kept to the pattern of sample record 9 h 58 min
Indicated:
5 h 49 min
